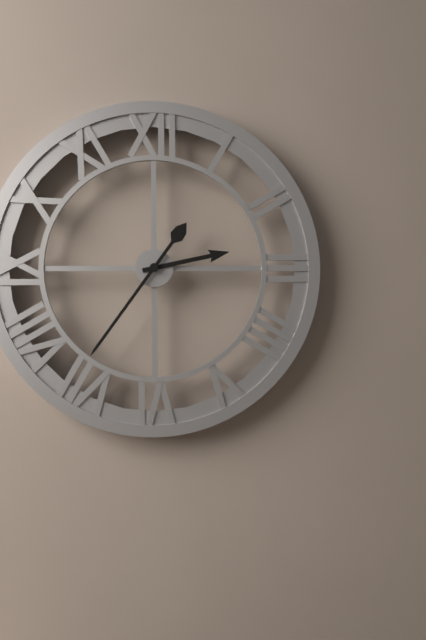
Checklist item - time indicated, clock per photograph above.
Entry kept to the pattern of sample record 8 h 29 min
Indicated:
2 h 36 min
